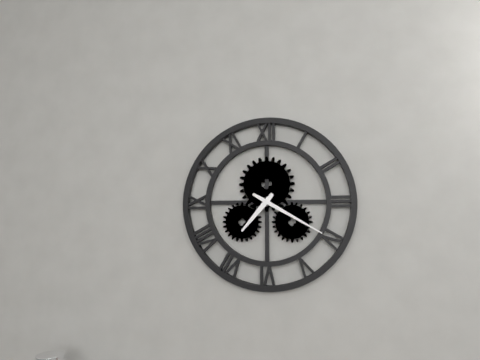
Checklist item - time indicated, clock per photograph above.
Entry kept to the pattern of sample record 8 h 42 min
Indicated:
7 h 20 min
